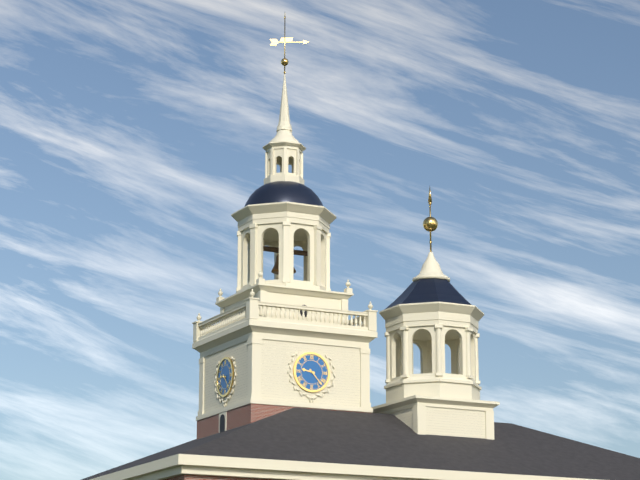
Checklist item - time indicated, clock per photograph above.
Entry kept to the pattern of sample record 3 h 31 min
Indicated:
9 h 23 min
